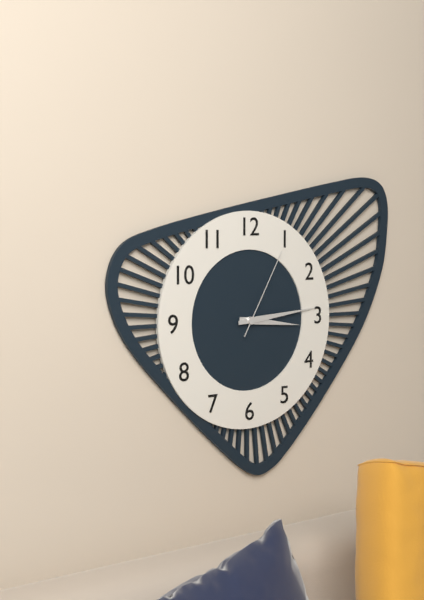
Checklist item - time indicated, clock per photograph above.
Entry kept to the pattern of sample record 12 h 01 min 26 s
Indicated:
3 h 14 min 05 s
